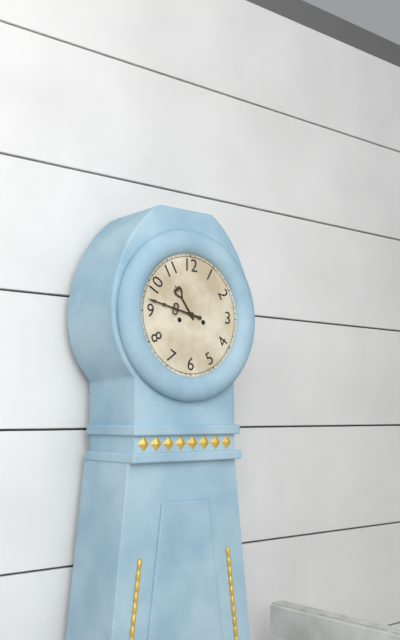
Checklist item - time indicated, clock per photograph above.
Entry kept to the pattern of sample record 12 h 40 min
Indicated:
10 h 47 min
